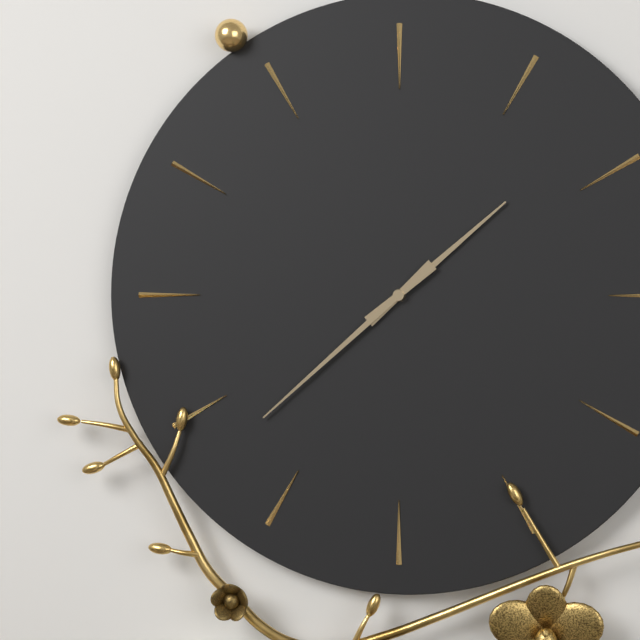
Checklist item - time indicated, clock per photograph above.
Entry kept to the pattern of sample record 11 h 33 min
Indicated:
1 h 38 min
